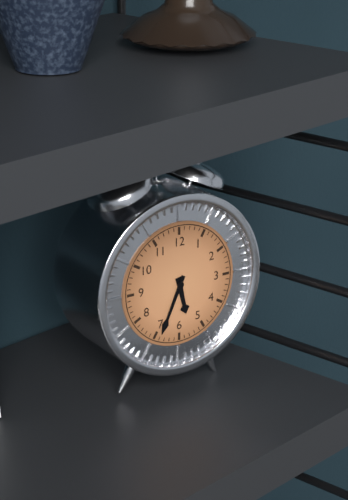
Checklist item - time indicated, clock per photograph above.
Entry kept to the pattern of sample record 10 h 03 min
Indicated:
5 h 34 min
